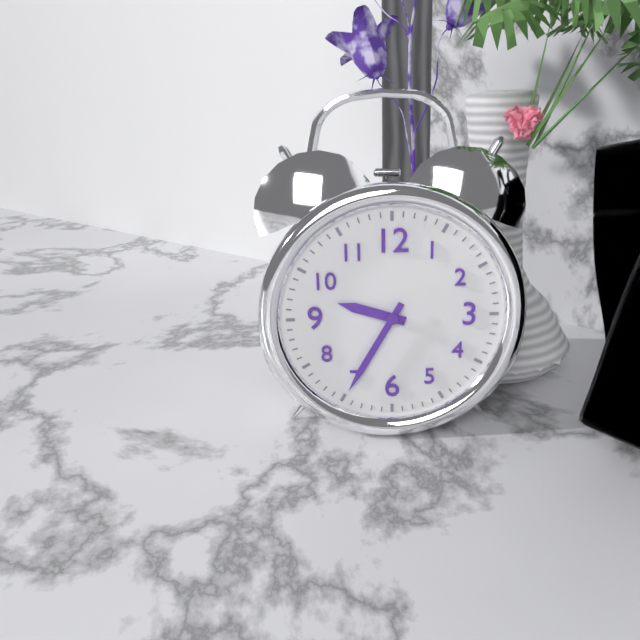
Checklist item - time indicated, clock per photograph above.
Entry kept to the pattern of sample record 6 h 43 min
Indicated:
9 h 35 min
